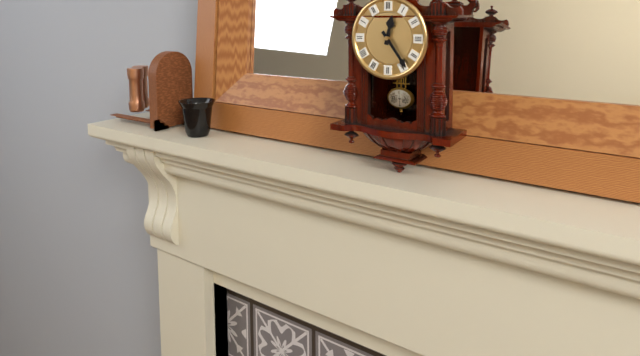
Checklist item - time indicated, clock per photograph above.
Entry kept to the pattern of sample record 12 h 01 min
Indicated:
12 h 24 min
